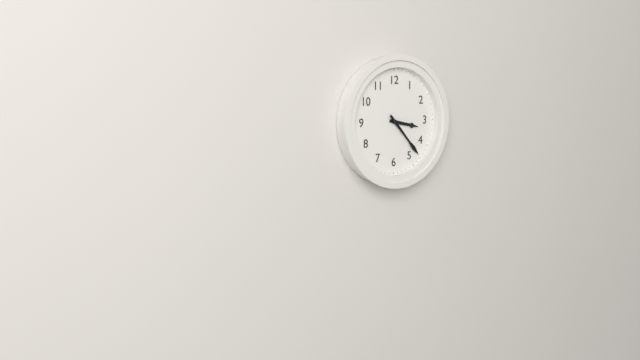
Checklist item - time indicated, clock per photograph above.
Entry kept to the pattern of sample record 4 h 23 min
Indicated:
3 h 23 min
